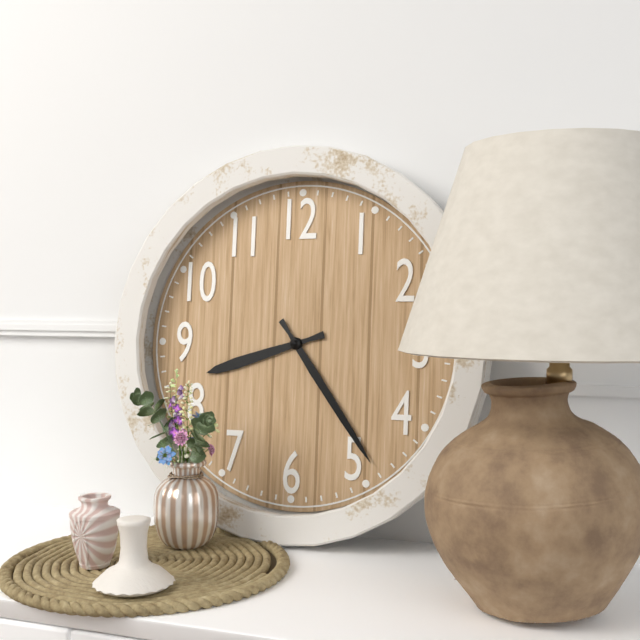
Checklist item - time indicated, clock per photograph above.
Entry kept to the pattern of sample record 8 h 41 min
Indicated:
8 h 24 min
